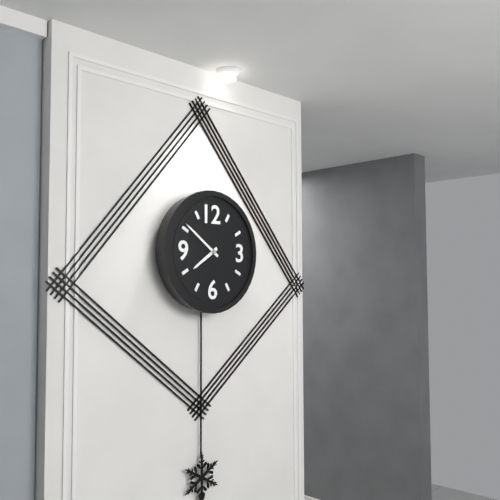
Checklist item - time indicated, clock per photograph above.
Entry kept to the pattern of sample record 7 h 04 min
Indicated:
7 h 51 min
